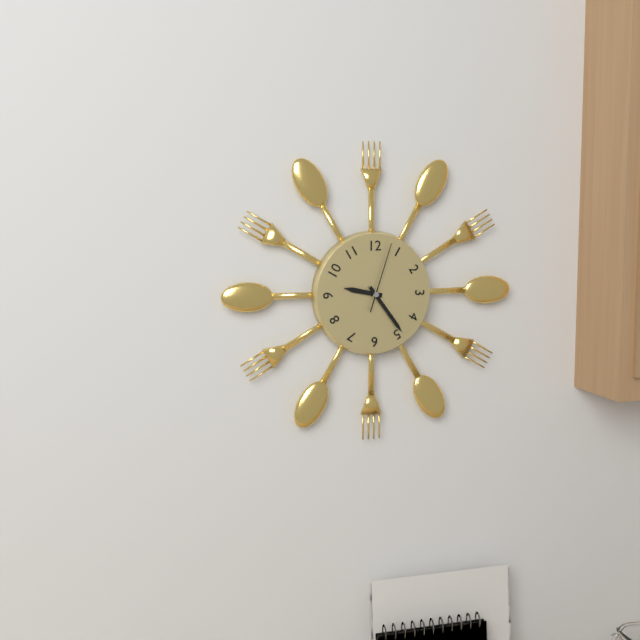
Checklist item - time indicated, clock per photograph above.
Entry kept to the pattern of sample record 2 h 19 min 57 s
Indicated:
9 h 24 min 03 s
